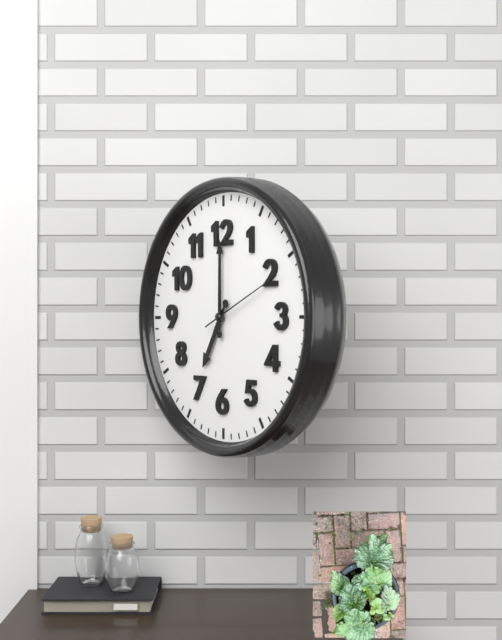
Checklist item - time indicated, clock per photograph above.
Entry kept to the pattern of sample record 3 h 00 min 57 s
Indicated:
7 h 00 min 11 s
